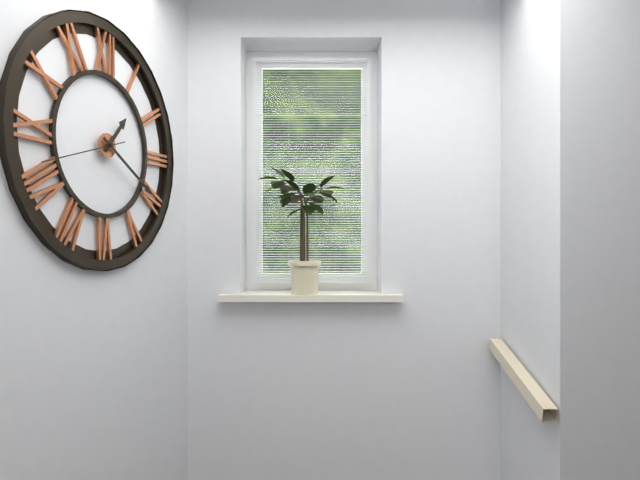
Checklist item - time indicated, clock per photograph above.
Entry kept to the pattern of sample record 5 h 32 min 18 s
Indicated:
1 h 20 min 42 s
